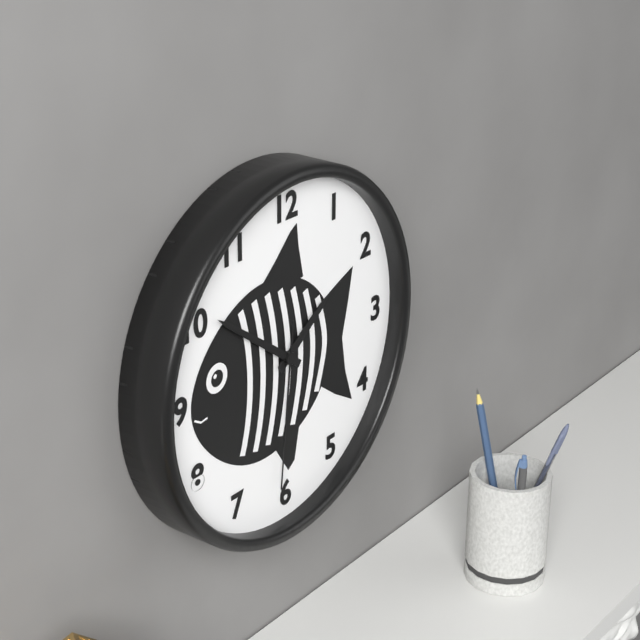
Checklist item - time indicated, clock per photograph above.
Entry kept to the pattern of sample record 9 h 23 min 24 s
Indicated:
1 h 51 min 31 s
